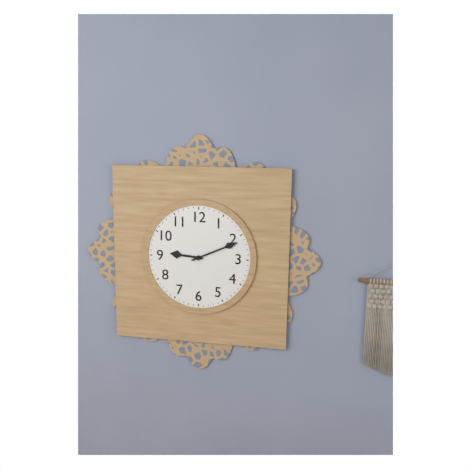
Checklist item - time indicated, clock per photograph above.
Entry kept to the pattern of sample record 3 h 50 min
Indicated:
9 h 11 min
